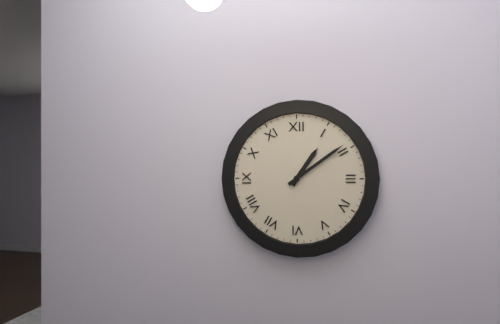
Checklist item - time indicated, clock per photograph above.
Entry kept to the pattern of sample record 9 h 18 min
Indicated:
1 h 09 min
